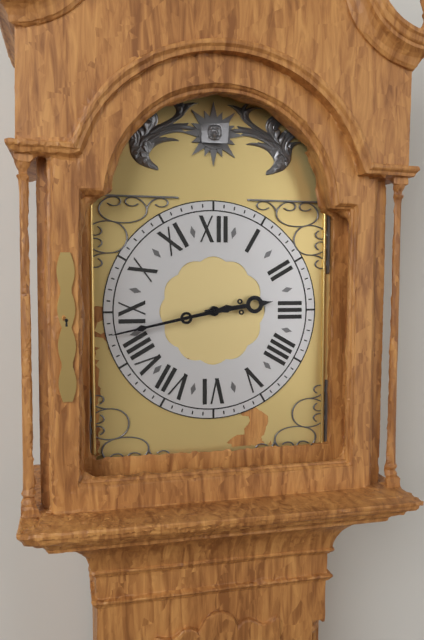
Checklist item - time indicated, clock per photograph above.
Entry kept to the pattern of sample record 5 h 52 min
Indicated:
2 h 43 min
